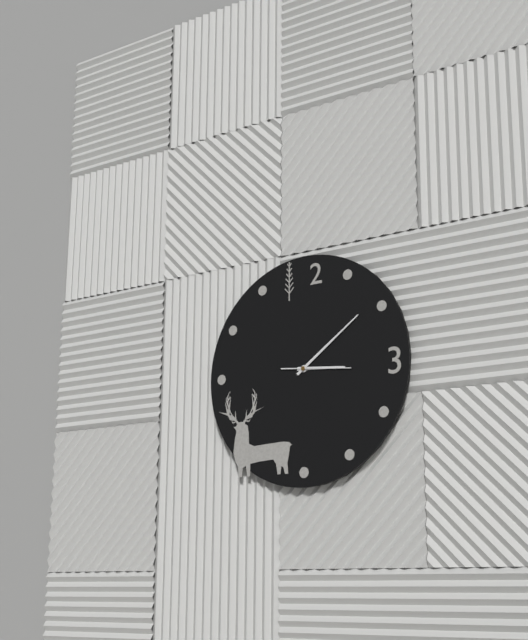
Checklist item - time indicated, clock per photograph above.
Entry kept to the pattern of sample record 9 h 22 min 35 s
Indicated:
3 h 09 min 16 s
